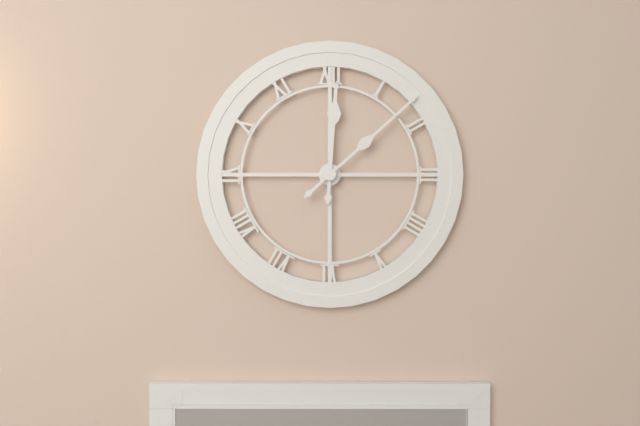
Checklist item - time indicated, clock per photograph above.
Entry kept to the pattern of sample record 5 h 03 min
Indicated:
12 h 08 min
